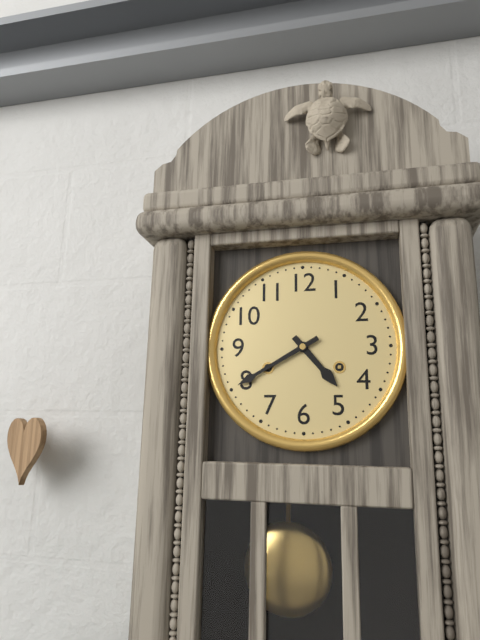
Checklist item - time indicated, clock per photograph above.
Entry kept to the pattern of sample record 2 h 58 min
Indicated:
4 h 40 min
